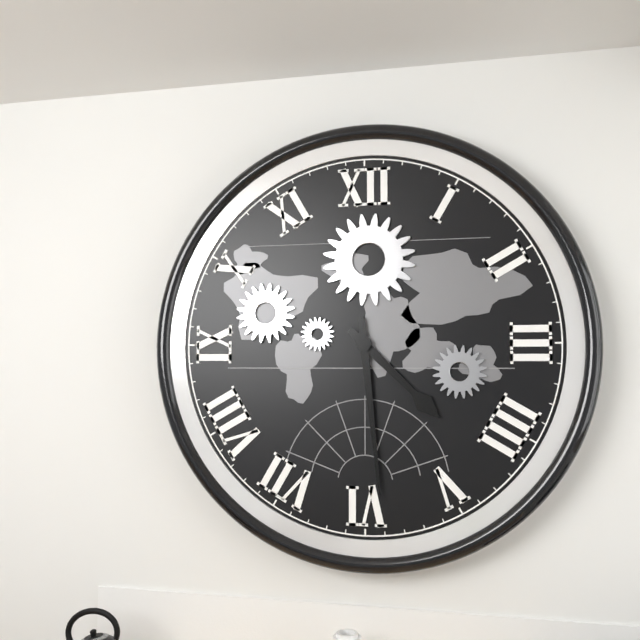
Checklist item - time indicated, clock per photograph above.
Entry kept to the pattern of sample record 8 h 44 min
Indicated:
4 h 29 min
